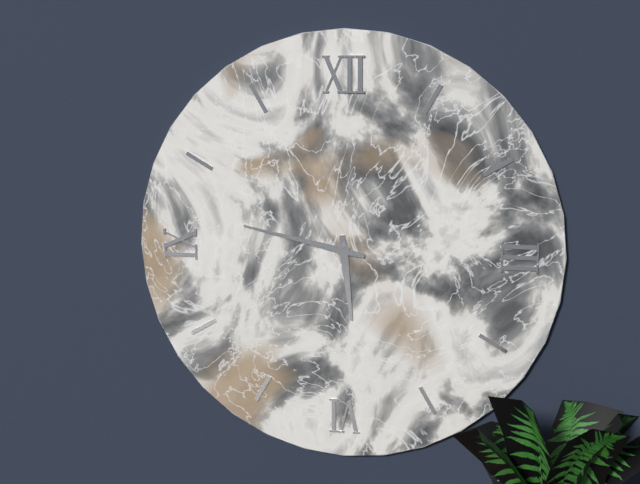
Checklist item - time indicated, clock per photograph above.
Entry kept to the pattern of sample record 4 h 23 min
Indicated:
5 h 47 min
